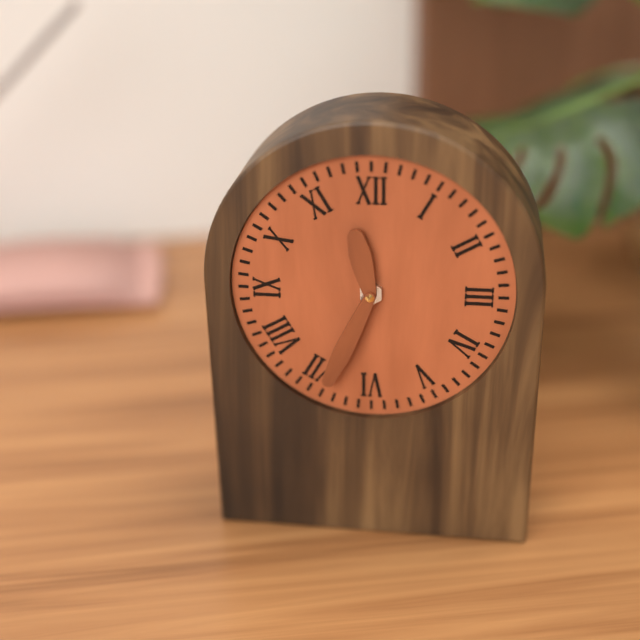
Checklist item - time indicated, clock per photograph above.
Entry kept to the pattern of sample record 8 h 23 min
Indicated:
11 h 34 min
